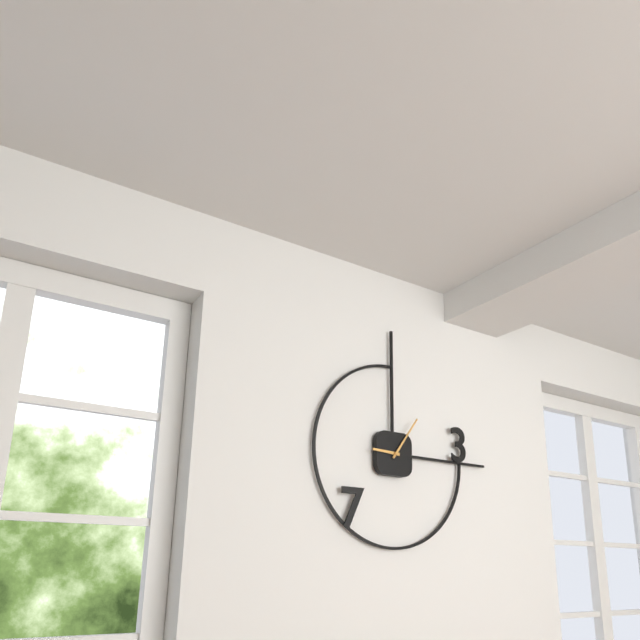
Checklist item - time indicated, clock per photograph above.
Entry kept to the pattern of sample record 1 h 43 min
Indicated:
9 h 06 min
